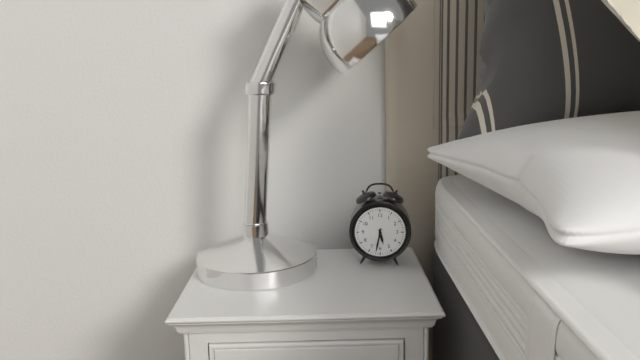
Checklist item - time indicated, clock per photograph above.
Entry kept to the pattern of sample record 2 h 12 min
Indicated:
5 h 32 min
